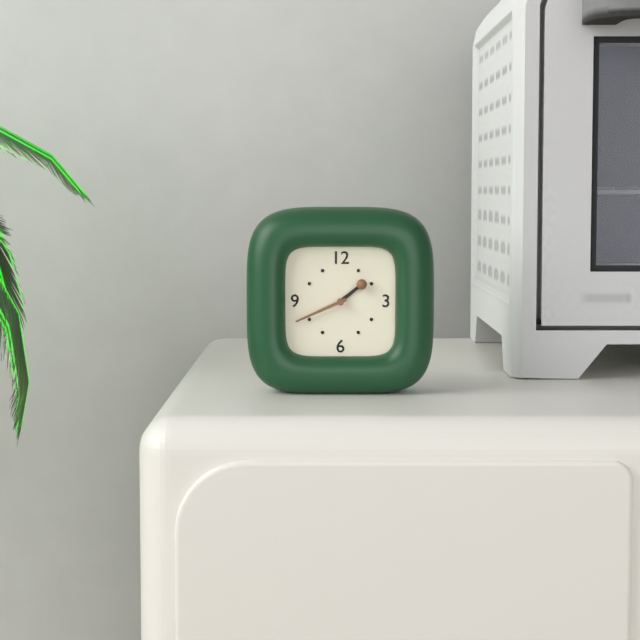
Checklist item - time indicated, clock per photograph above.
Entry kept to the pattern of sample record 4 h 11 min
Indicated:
1 h 41 min
